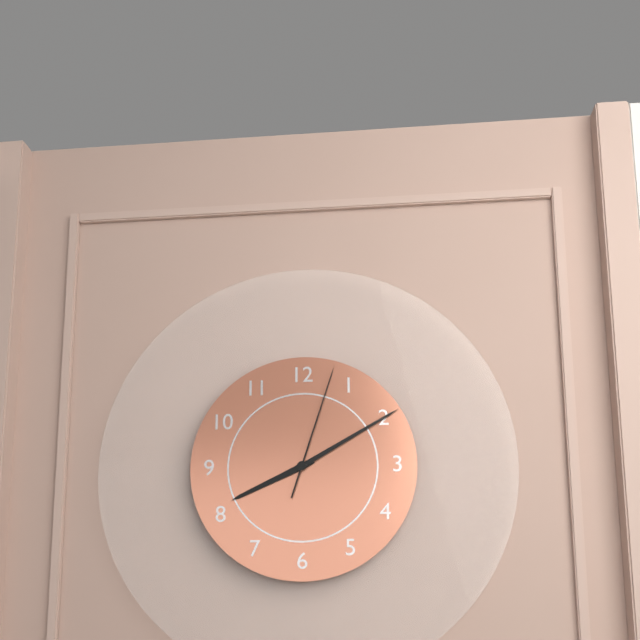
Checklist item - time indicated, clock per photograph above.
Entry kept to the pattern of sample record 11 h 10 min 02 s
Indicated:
8 h 10 min 03 s
